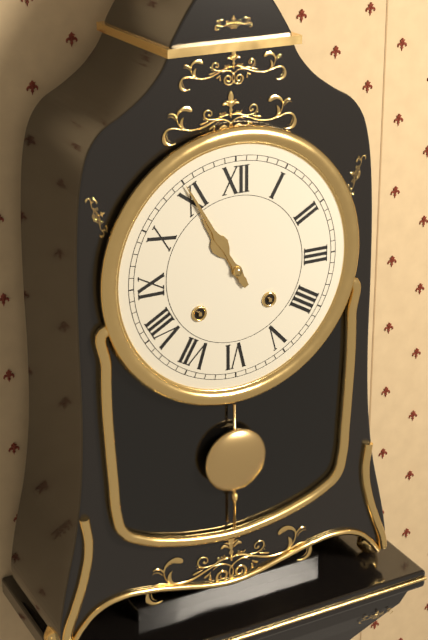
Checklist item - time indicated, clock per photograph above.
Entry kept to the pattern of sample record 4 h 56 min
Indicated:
10 h 55 min
